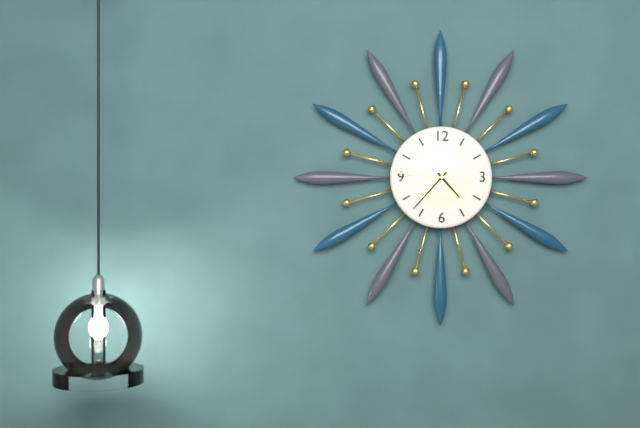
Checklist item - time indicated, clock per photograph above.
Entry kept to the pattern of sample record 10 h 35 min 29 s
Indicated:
4 h 37 min 46 s
